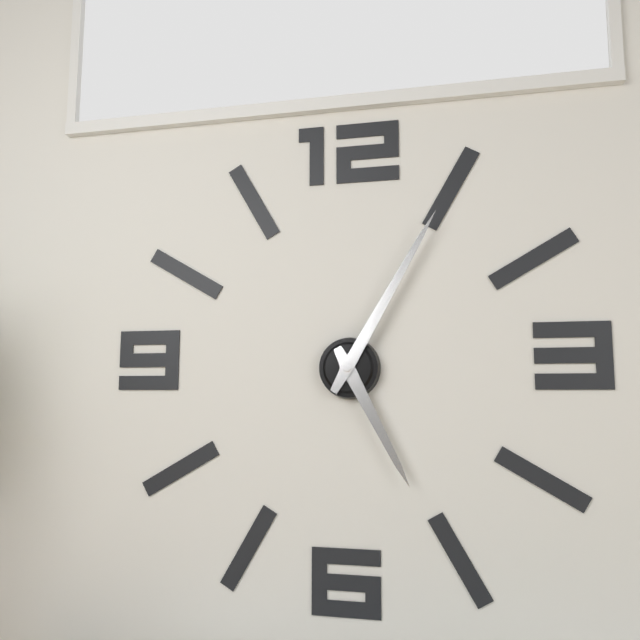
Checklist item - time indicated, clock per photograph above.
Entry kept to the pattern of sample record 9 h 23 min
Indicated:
5 h 05 min
